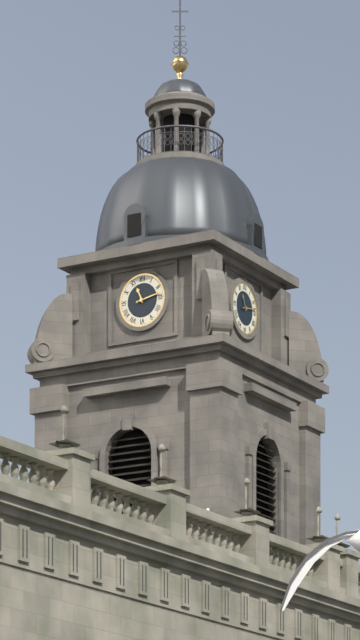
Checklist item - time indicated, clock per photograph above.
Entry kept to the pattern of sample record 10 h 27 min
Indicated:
11 h 13 min
